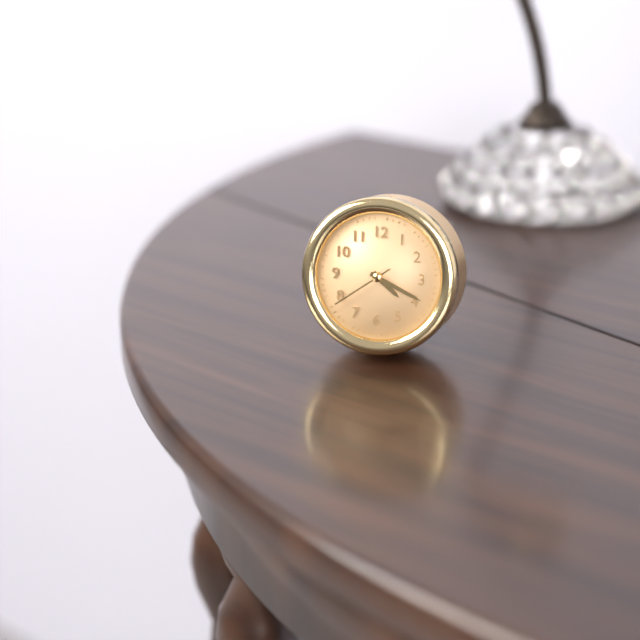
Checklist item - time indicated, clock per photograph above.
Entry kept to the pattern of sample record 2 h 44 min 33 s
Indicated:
4 h 19 min 39 s
